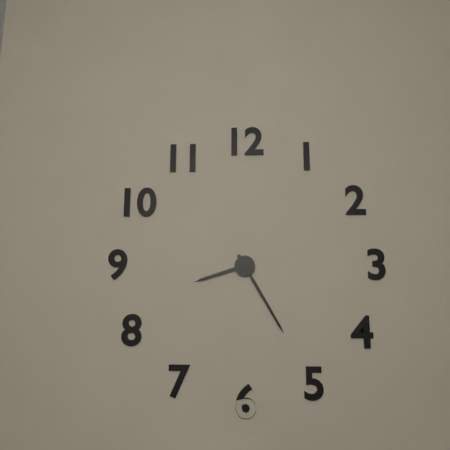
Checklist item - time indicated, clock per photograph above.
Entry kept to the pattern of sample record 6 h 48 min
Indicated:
8 h 25 min
